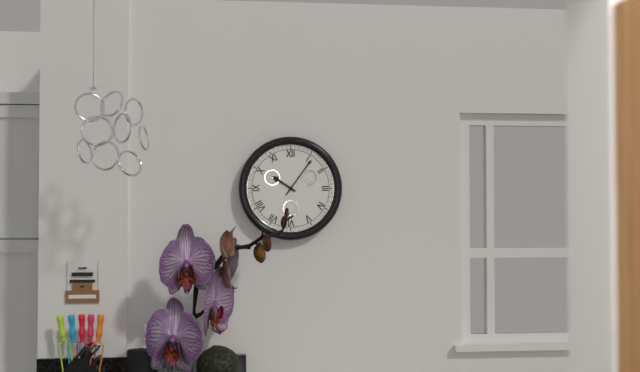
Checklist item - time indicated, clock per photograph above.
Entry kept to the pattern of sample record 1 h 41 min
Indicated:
10 h 06 min
